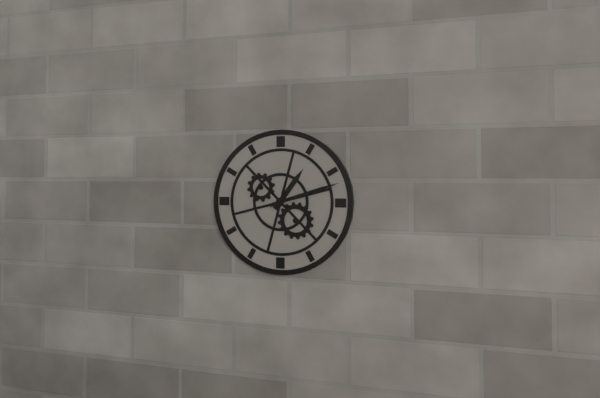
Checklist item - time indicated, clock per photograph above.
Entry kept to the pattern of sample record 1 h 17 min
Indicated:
1 h 12 min
